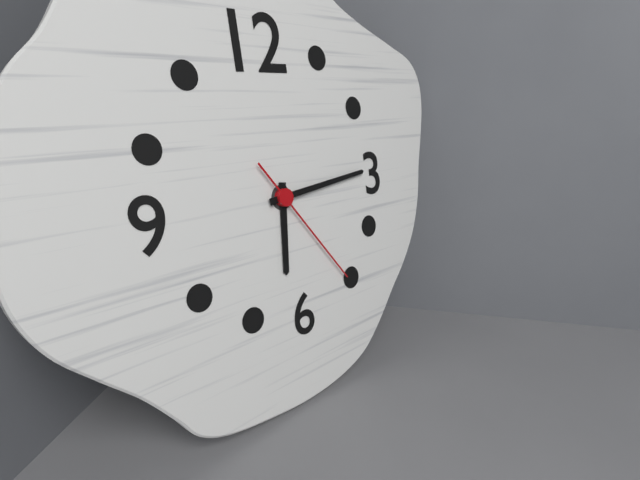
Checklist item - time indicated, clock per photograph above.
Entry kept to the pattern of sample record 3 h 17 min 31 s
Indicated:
6 h 14 min 24 s
